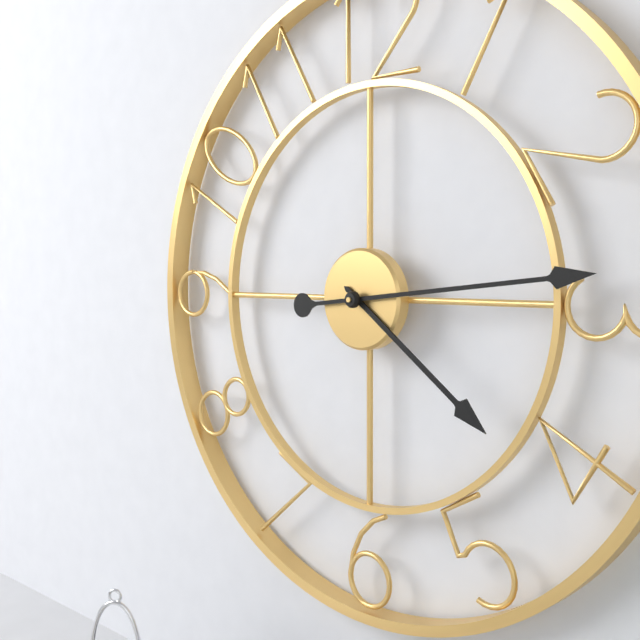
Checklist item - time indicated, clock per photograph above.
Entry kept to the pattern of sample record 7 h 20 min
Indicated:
4 h 14 min
